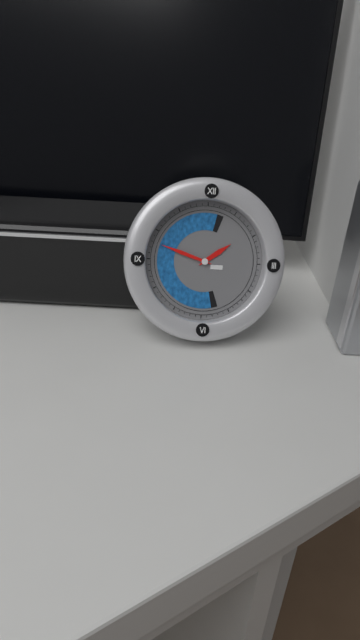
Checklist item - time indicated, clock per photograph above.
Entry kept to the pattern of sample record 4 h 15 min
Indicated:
1 h 48 min
